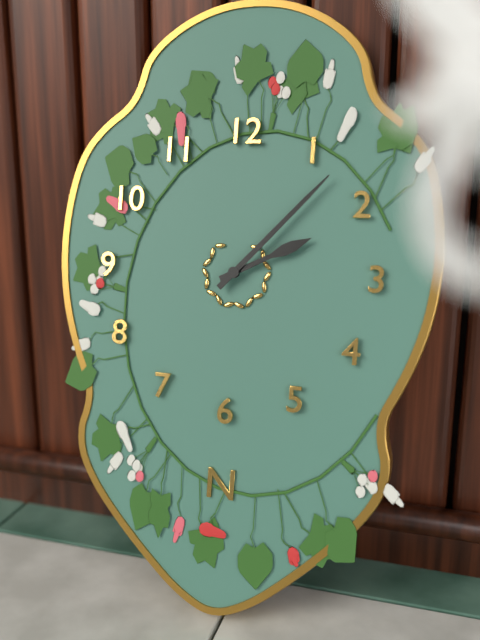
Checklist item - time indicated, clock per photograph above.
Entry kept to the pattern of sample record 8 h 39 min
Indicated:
2 h 07 min
